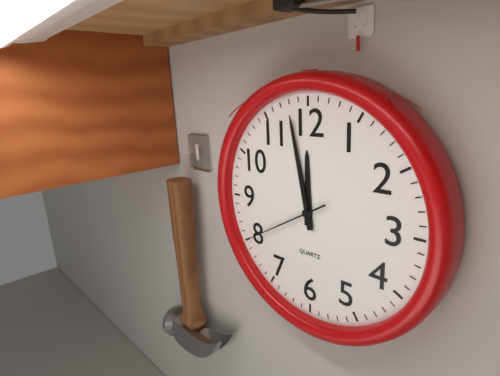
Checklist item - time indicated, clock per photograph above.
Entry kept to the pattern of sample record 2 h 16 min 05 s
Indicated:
11 h 58 min 40 s
